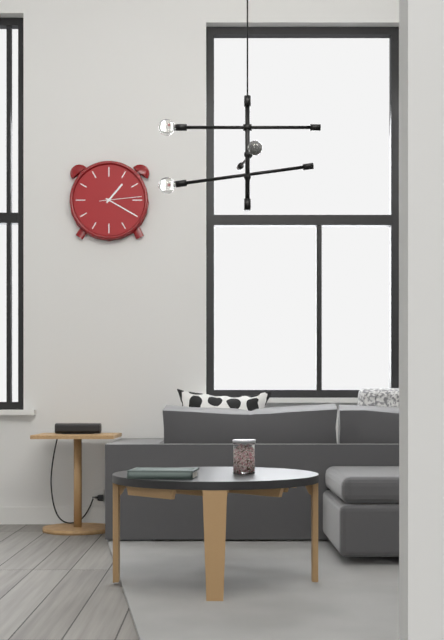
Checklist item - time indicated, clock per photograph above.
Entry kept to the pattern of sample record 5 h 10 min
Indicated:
1 h 20 min
